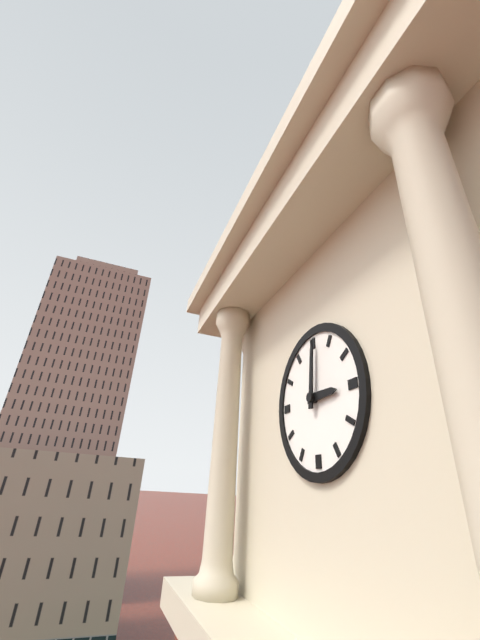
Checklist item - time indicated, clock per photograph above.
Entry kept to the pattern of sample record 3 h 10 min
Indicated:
3 h 01 min
